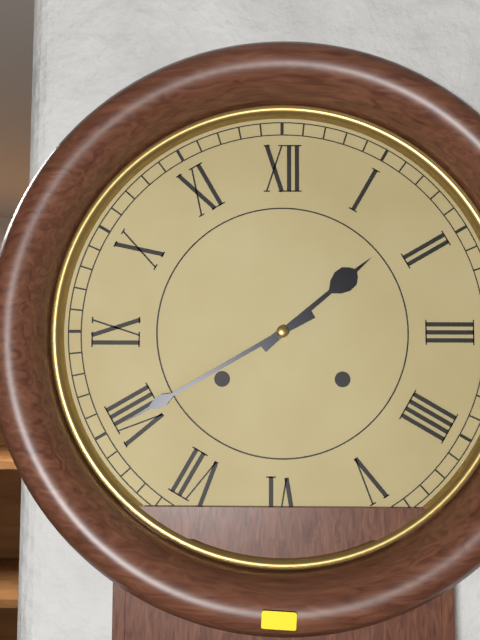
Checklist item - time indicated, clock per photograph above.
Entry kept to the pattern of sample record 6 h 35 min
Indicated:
1 h 40 min
